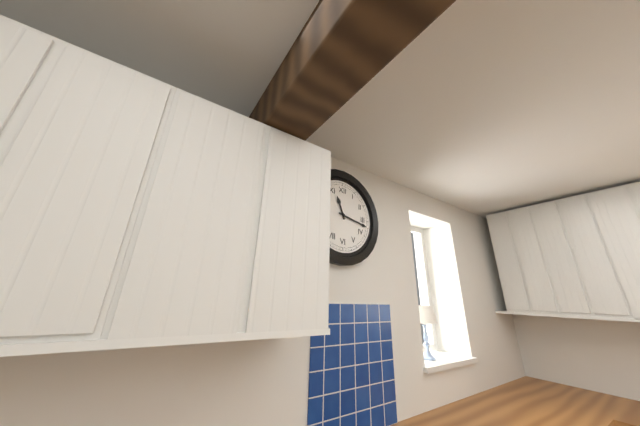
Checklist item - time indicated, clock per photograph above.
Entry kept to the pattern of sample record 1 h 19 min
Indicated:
11 h 17 min
